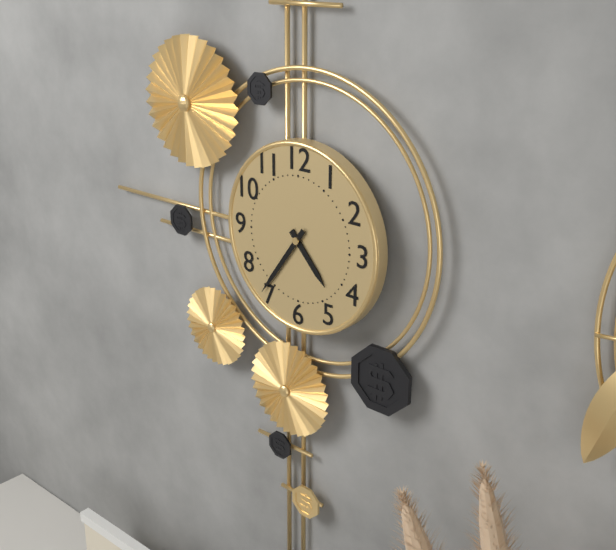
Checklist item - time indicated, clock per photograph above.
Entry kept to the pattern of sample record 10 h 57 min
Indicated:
4 h 36 min
